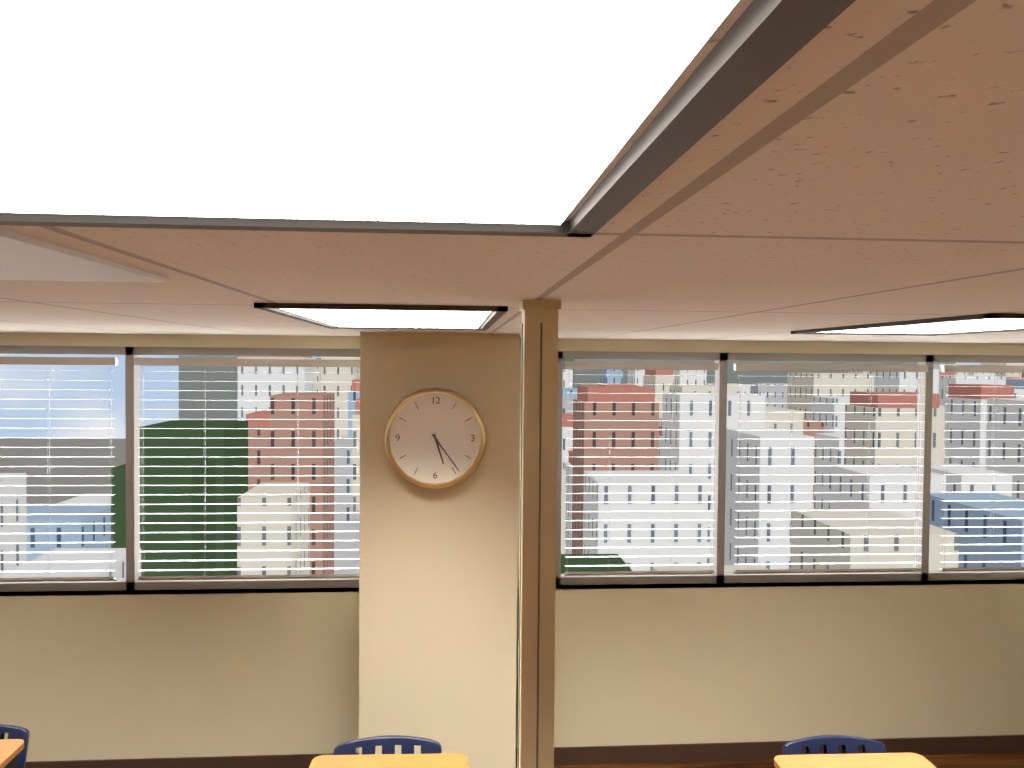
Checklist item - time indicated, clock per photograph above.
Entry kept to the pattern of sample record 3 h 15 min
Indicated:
5 h 24 min
